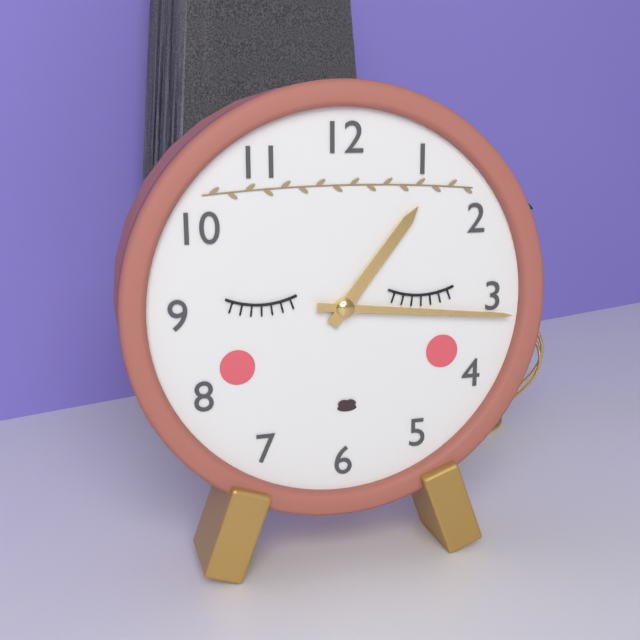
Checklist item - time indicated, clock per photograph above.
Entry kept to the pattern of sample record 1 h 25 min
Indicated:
1 h 16 min
